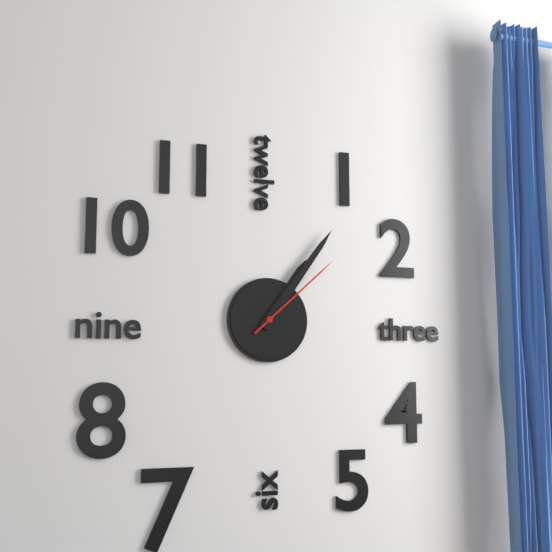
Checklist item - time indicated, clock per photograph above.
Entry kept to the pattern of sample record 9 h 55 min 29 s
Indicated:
1 h 06 min 08 s
